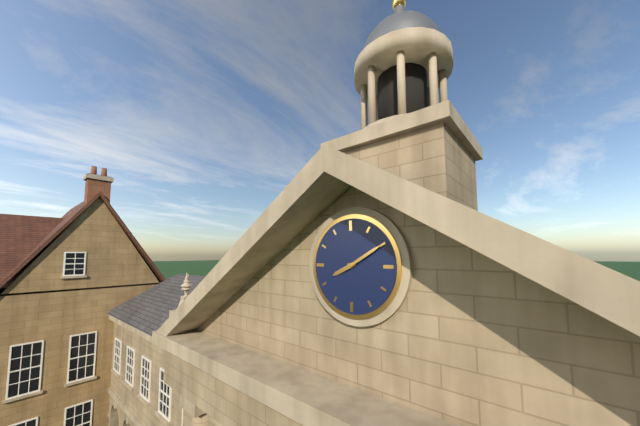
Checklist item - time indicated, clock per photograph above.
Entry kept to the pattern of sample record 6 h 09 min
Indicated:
8 h 10 min
